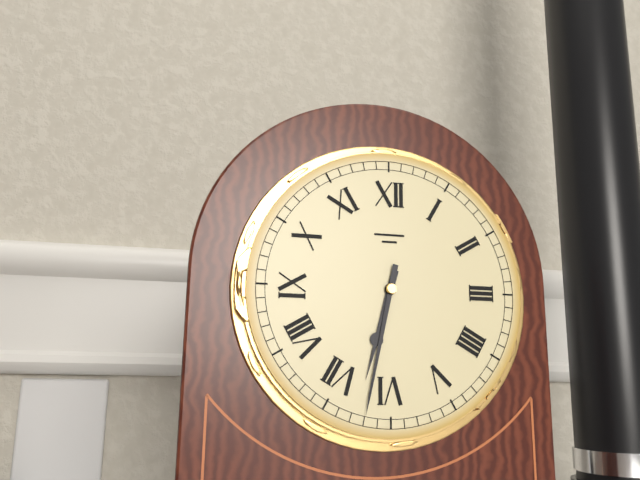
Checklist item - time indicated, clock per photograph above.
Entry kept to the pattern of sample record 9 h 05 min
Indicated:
6 h 32 min
